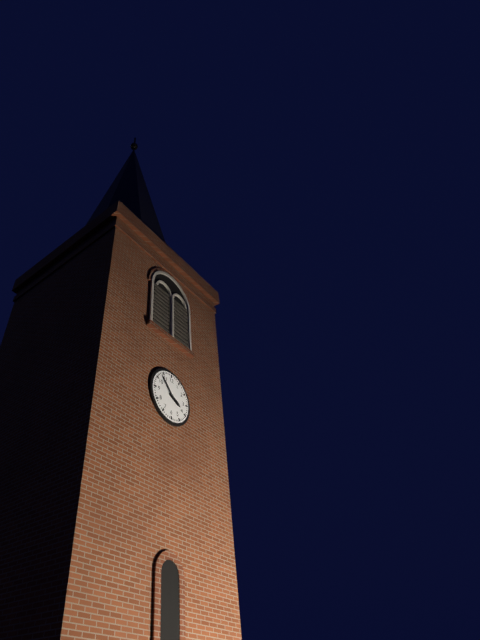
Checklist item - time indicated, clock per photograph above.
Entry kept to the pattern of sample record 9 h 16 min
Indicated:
3 h 53 min
